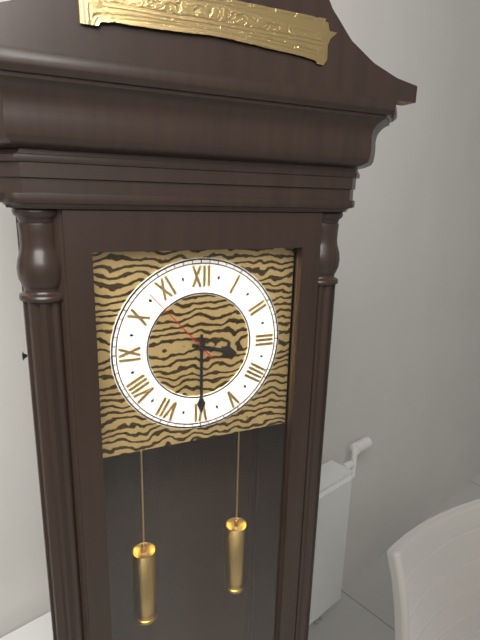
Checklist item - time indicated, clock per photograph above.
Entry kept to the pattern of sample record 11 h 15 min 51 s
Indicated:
3 h 30 min 53 s
